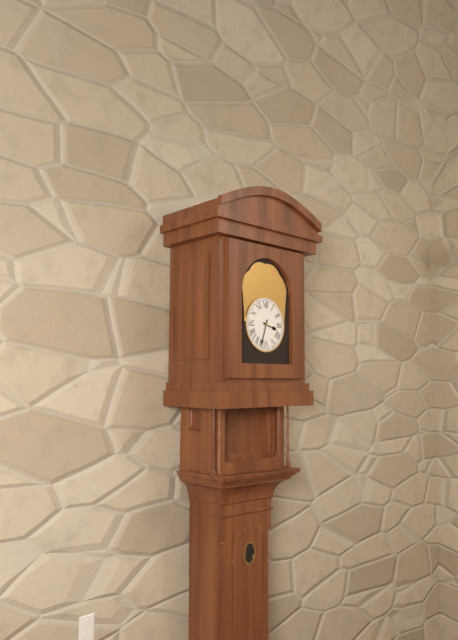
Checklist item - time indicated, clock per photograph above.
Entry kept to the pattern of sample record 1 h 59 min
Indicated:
3 h 33 min
